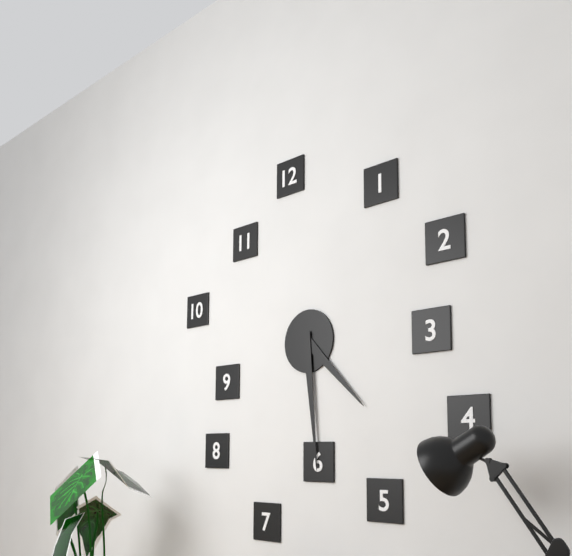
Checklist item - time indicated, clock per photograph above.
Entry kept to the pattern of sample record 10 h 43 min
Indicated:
4 h 29 min
